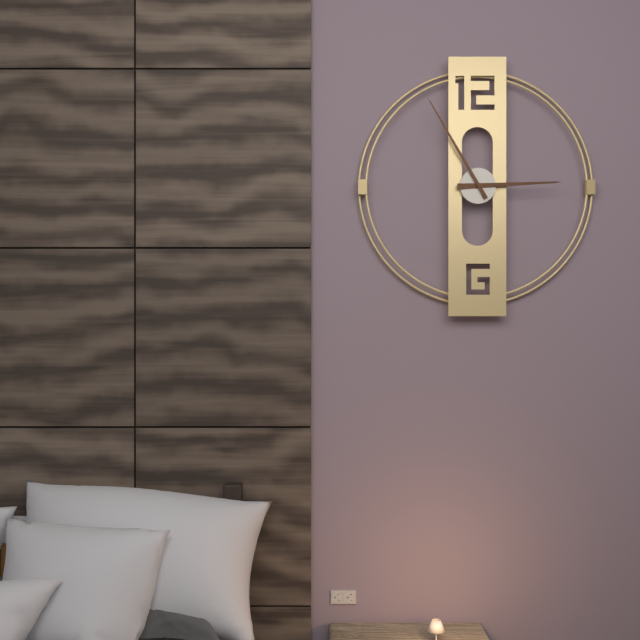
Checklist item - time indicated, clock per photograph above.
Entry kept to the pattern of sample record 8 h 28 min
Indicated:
2 h 55 min
